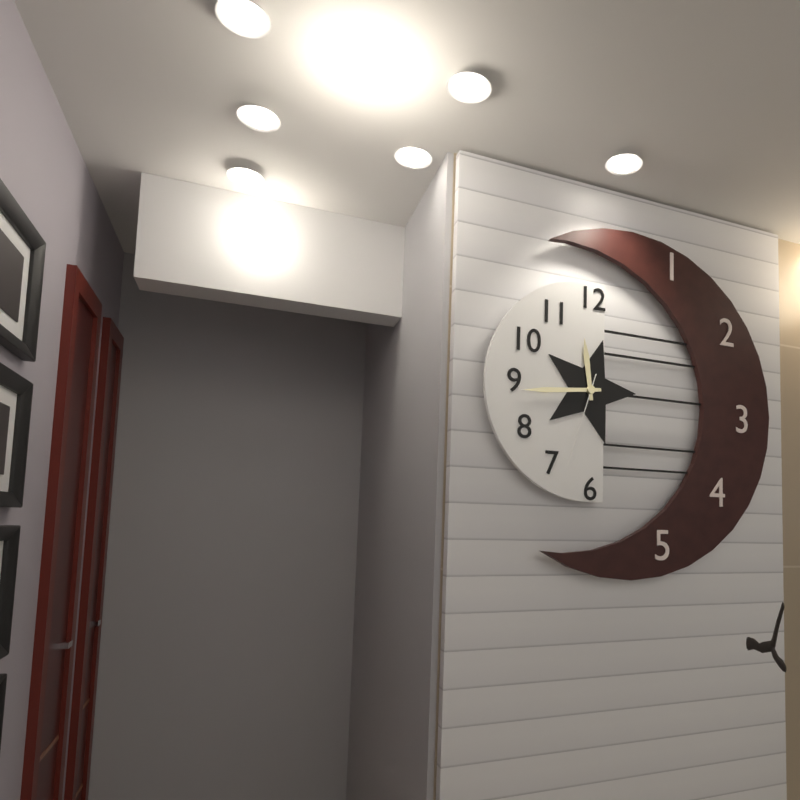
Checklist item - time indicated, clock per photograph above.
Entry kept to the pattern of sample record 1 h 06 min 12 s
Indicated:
11 h 44 min 33 s
